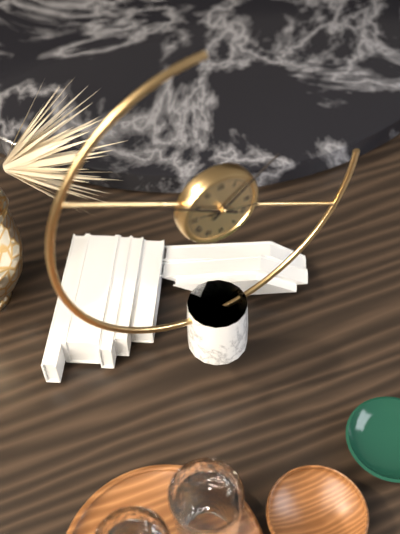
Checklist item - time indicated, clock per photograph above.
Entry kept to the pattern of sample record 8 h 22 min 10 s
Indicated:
1 h 50 min 17 s
